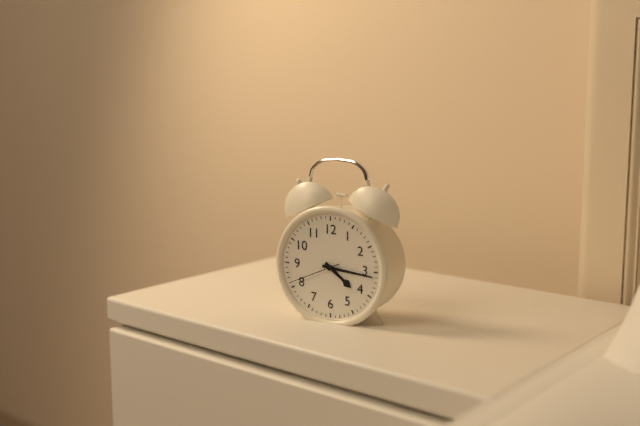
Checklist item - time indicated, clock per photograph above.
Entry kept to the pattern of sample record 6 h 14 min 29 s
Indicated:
4 h 16 min 41 s
